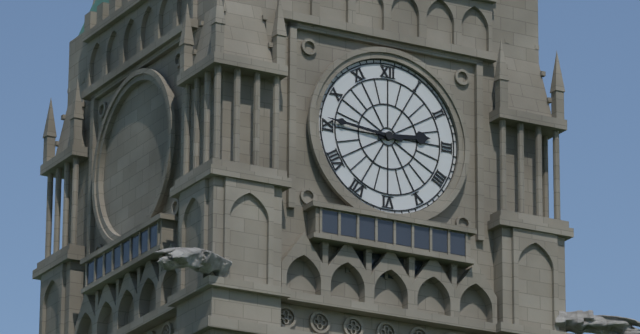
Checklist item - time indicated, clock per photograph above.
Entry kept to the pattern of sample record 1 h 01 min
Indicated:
2 h 46 min
